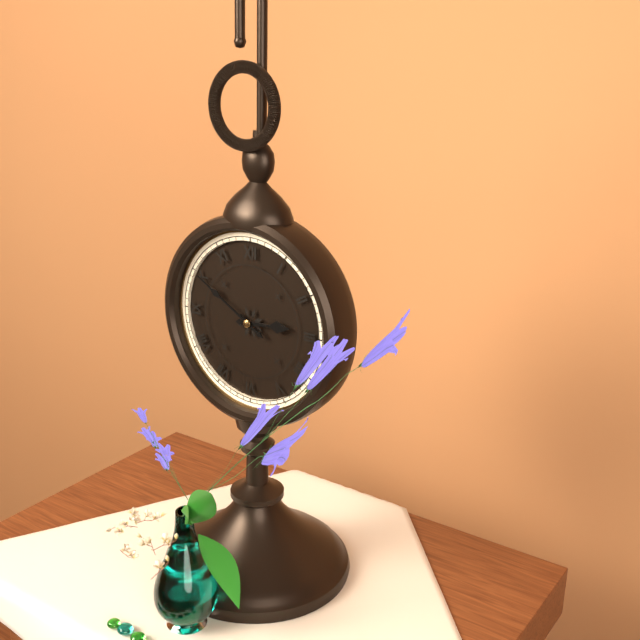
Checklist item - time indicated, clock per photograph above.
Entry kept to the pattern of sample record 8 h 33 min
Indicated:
2 h 50 min
